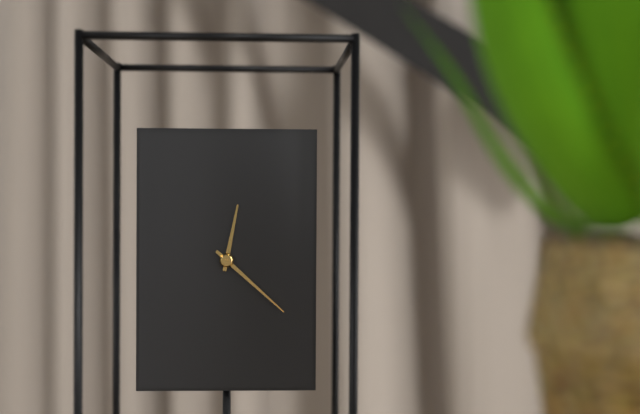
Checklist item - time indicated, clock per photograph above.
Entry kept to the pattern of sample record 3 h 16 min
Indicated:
12 h 22 min
